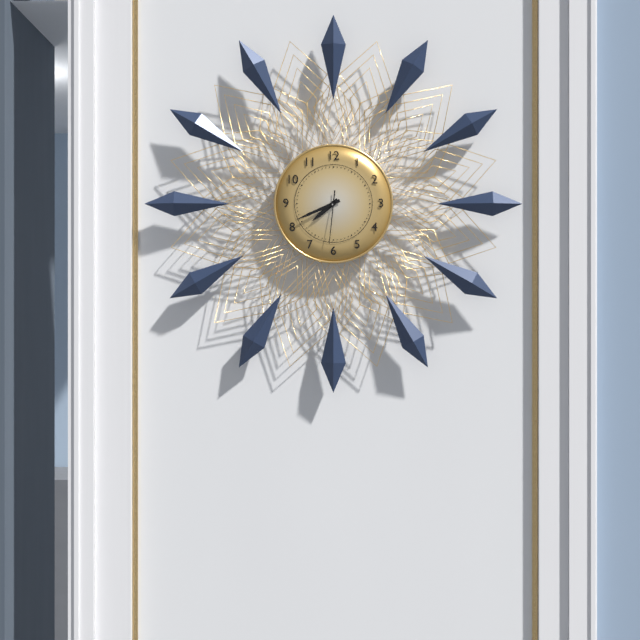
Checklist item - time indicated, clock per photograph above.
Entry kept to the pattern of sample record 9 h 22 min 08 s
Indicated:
7 h 41 min 31 s
